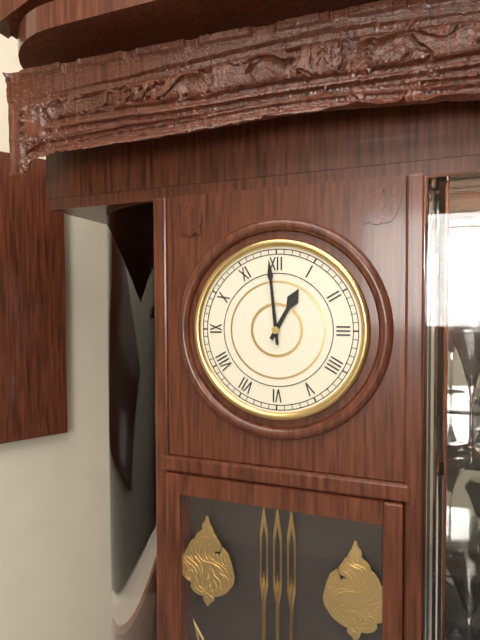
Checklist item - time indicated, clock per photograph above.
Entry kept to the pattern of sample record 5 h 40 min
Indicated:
12 h 59 min
